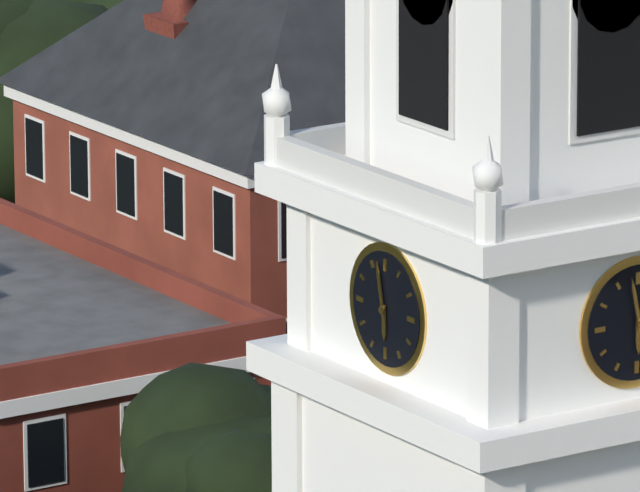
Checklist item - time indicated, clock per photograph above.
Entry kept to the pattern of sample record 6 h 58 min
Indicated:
5 h 58 min
